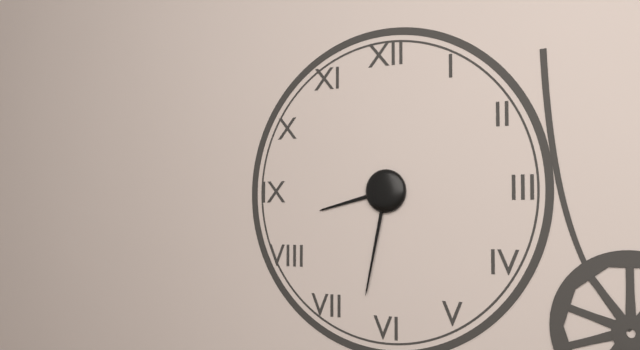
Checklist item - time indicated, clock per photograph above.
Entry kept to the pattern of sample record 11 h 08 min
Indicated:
8 h 32 min
